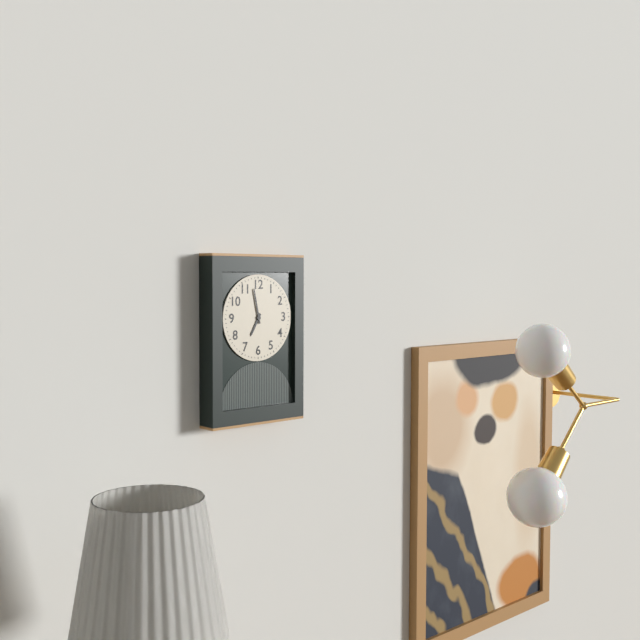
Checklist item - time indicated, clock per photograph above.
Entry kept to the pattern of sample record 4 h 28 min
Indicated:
6 h 58 min
